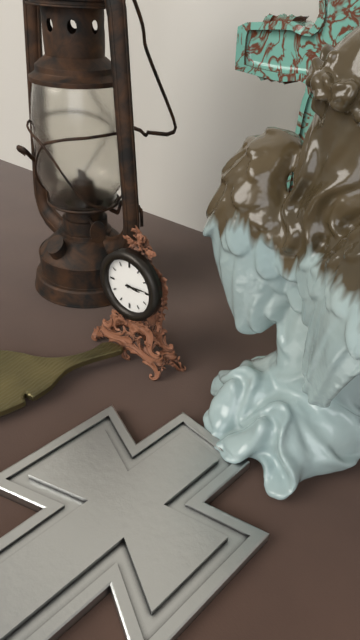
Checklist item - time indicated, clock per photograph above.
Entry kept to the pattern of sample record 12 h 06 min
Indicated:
3 h 14 min
